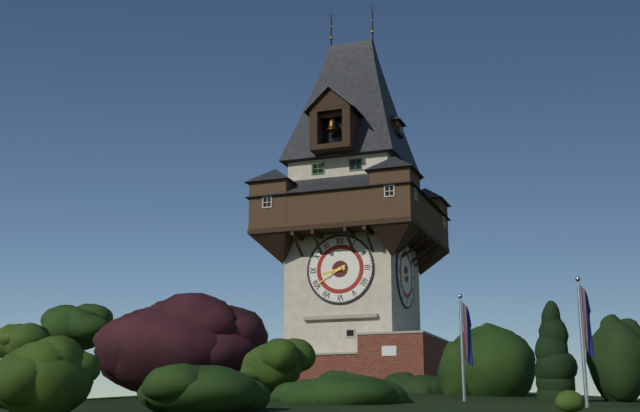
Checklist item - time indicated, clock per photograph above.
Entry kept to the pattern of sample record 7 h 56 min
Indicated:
8 h 40 min
